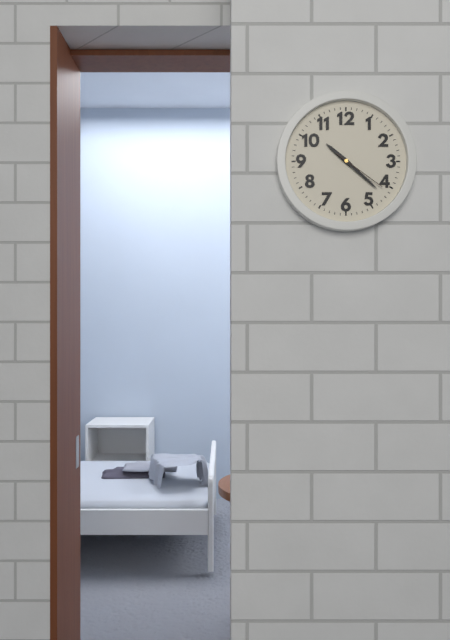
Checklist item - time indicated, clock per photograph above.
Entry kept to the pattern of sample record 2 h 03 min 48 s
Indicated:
10 h 22 min 21 s
